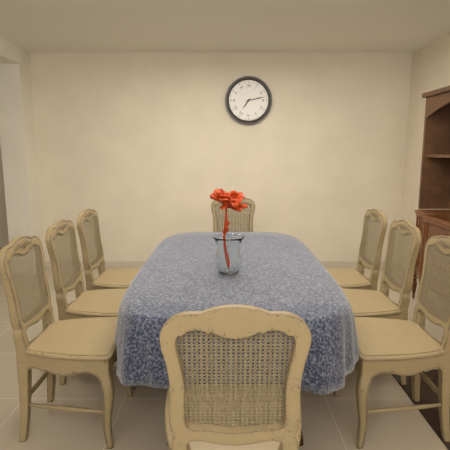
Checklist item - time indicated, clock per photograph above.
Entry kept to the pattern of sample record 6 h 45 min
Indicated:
7 h 13 min
